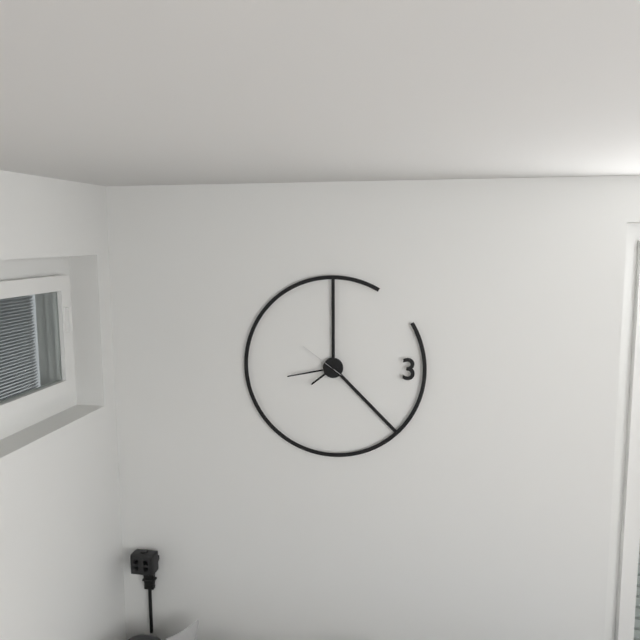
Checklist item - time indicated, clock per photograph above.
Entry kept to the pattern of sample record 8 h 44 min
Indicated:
7 h 43 min
